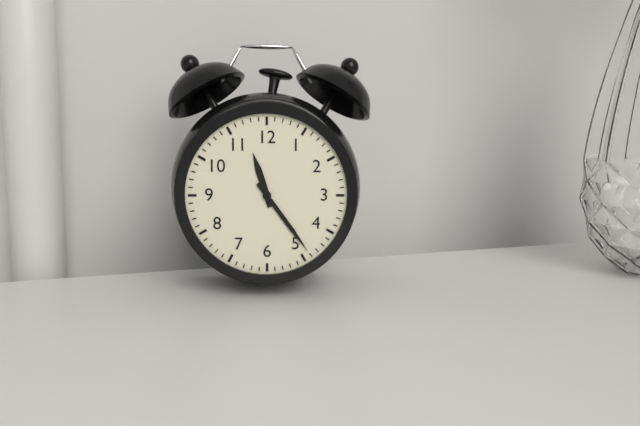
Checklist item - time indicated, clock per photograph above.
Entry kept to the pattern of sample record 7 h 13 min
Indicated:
11 h 24 min
